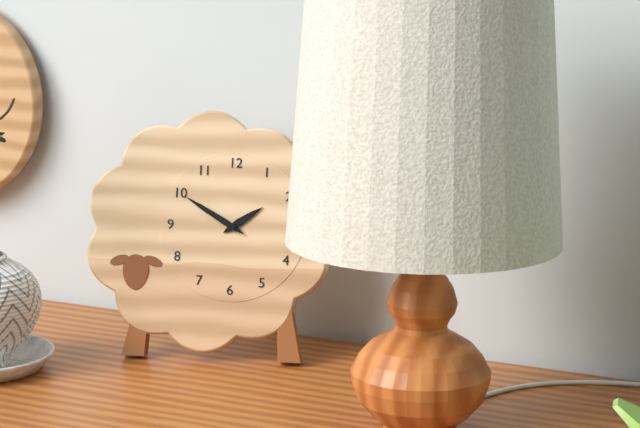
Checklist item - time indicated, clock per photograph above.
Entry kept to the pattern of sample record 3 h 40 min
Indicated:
1 h 50 min
